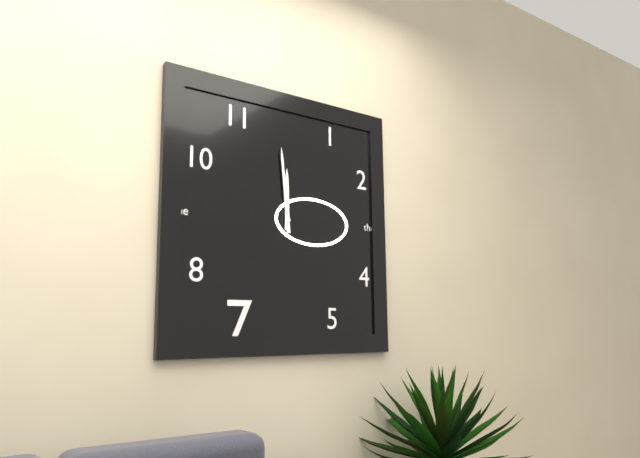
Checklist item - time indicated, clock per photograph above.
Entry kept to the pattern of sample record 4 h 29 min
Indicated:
11 h 59 min
